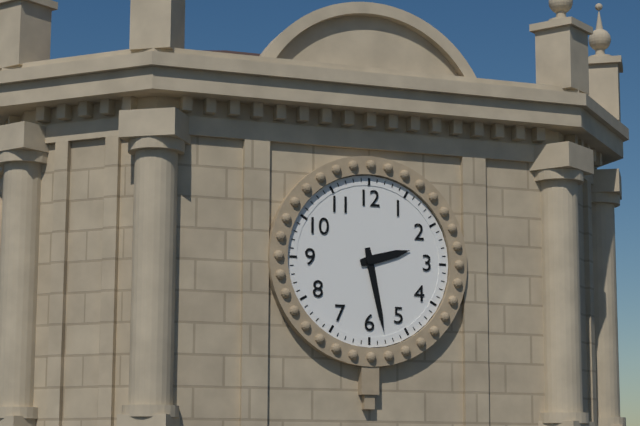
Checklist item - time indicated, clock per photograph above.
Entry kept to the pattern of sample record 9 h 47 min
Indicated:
2 h 28 min
